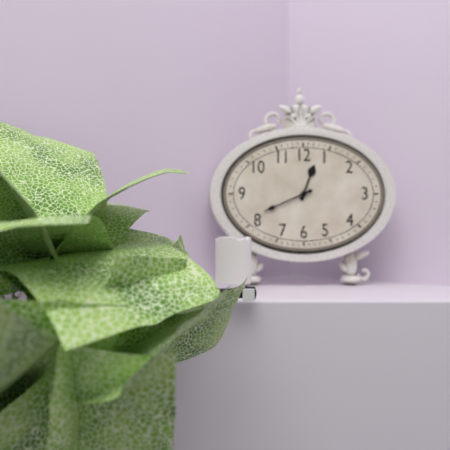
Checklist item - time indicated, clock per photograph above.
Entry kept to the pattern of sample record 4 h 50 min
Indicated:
12 h 41 min
